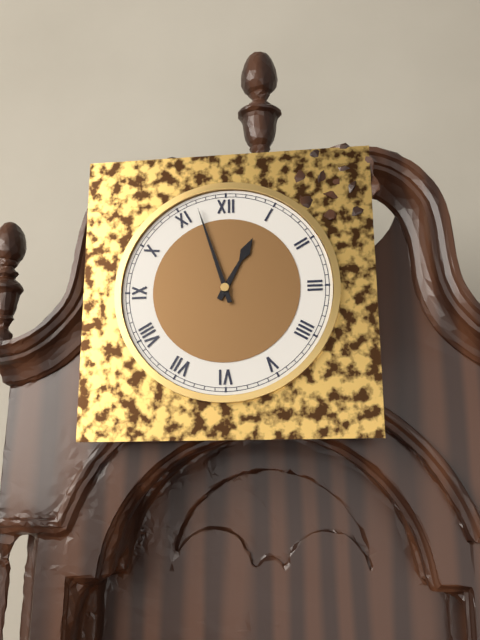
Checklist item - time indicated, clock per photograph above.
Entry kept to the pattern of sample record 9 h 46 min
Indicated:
12 h 57 min
